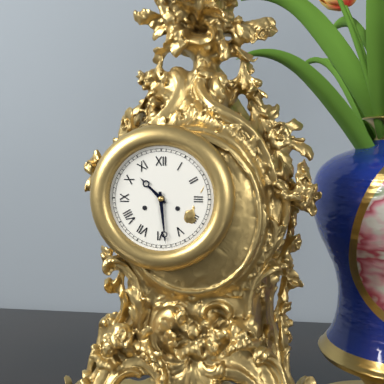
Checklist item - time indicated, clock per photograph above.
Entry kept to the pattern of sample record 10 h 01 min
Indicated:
10 h 29 min
